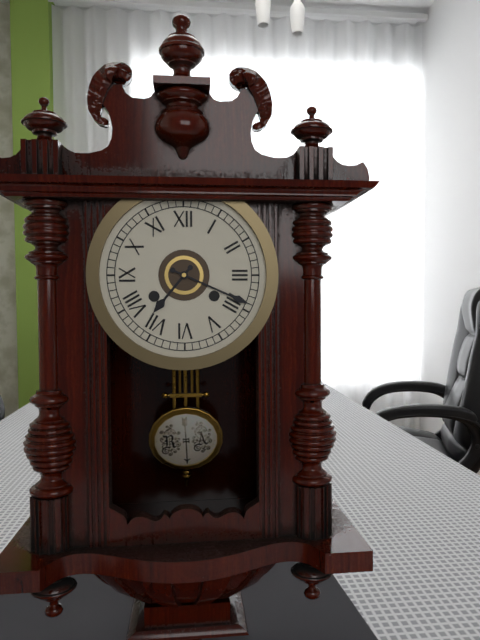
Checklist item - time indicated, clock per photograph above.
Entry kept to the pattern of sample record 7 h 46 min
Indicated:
7 h 19 min
